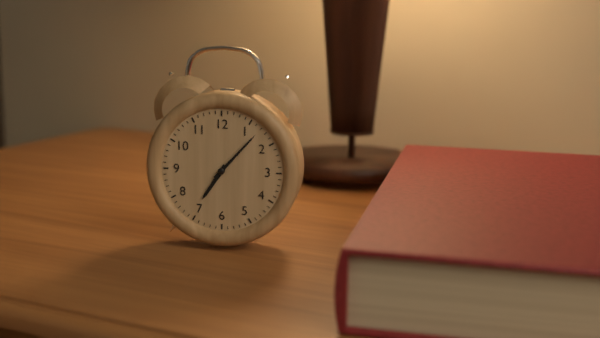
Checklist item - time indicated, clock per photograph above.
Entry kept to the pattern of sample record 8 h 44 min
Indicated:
7 h 07 min
